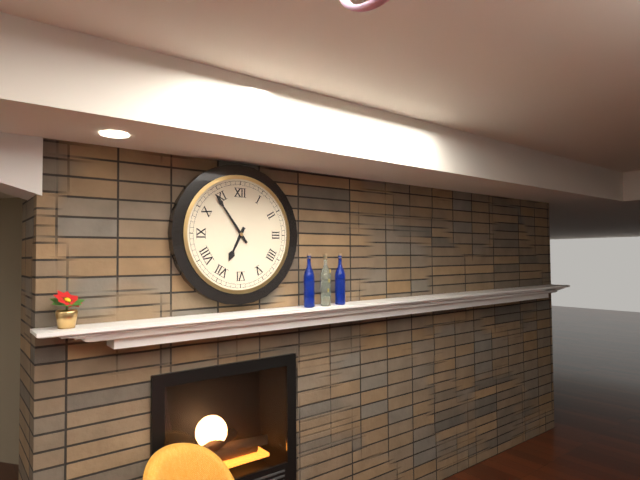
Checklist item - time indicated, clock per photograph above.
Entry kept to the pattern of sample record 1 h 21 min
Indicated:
6 h 54 min
